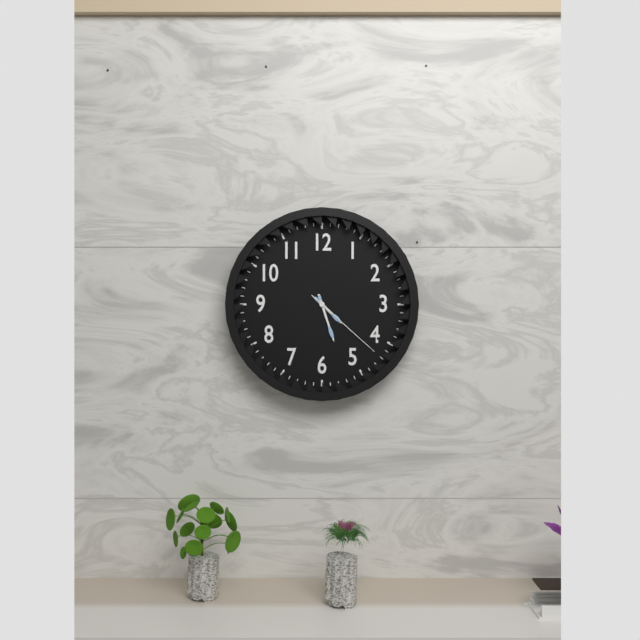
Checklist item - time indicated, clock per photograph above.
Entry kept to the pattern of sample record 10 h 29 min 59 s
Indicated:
4 h 27 min 22 s
